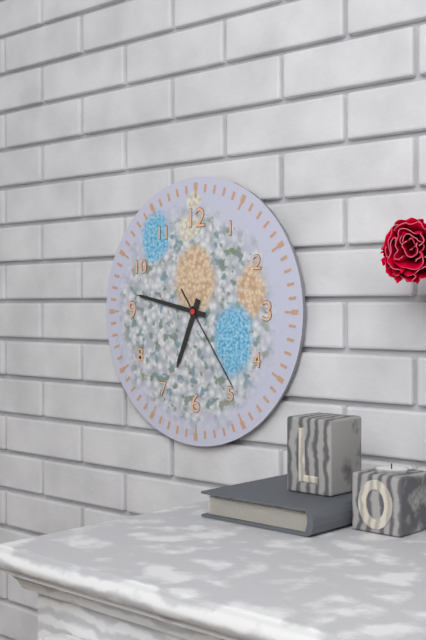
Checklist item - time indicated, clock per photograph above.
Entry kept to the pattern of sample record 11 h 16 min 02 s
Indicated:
6 h 47 min 24 s
